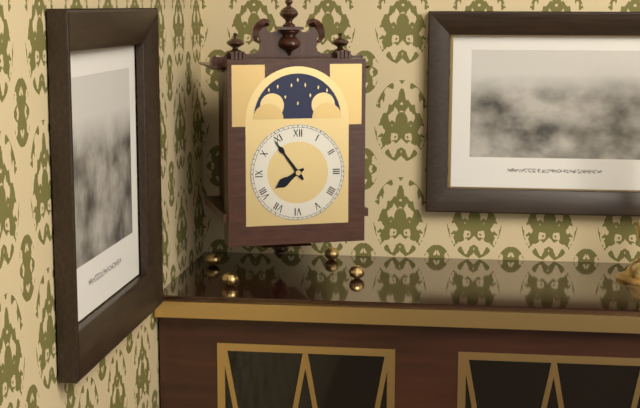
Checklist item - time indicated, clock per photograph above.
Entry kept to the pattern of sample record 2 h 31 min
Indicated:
7 h 54 min
